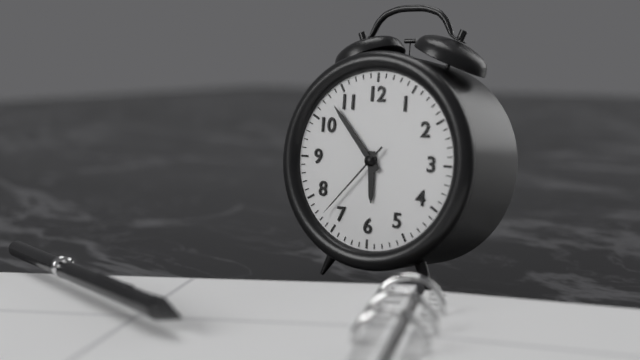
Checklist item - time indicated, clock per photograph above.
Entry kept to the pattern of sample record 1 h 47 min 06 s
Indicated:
5 h 53 min 37 s
